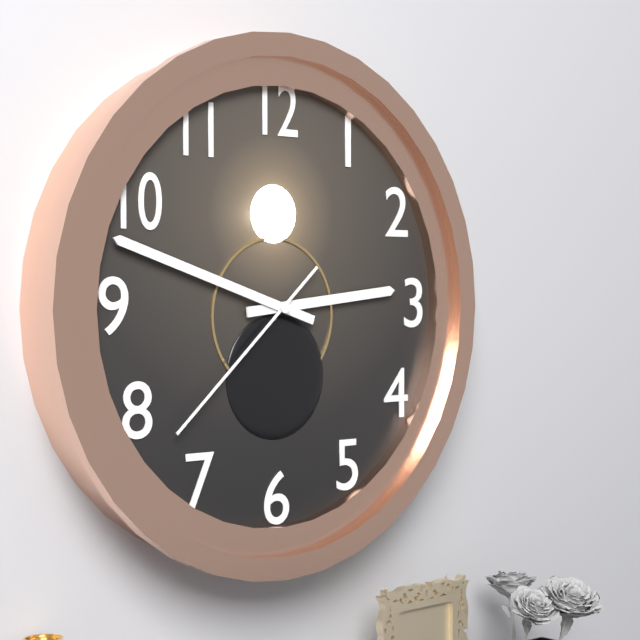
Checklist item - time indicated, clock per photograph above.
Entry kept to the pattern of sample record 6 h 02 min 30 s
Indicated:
2 h 48 min 38 s
